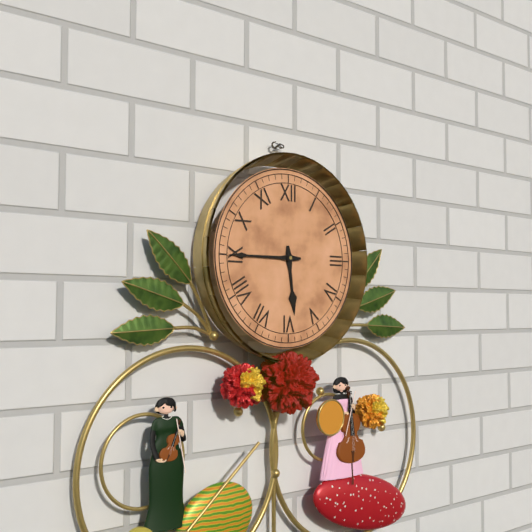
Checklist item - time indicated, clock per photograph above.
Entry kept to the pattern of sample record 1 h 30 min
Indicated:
5 h 45 min
